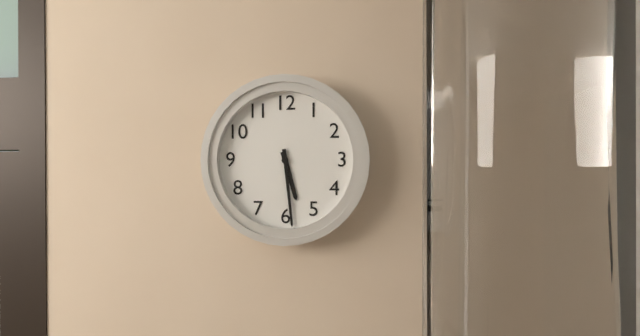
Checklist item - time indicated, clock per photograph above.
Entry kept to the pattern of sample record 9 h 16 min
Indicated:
5 h 29 min
